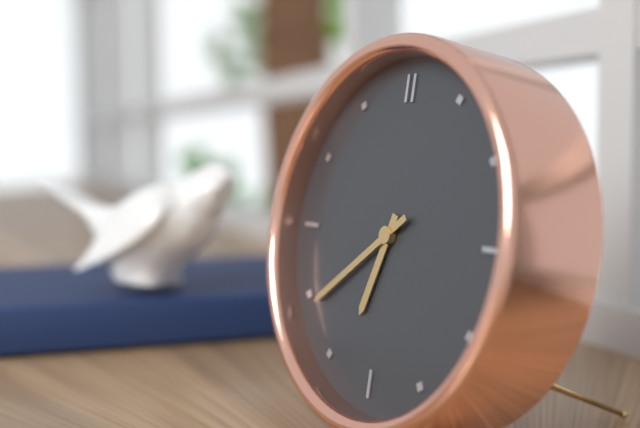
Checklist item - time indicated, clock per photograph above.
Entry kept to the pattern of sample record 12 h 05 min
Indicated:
6 h 39 min
